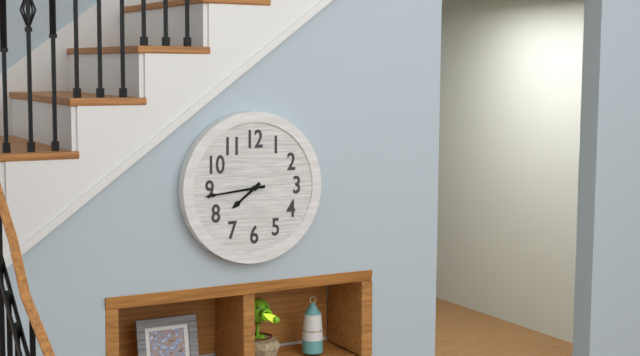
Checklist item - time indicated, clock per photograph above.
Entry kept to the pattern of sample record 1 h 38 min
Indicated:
7 h 44 min
